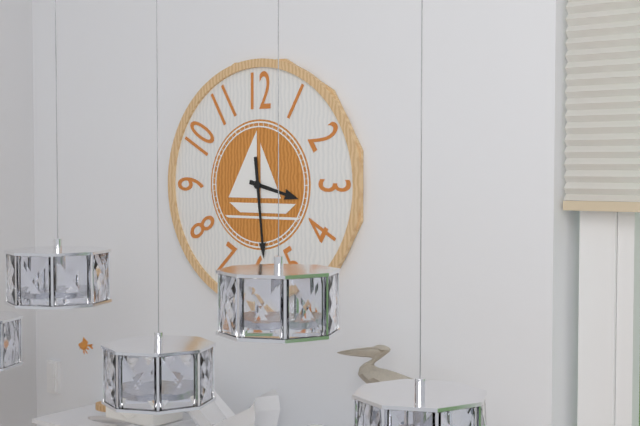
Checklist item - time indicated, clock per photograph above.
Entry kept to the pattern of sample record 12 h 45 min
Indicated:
3 h 29 min
